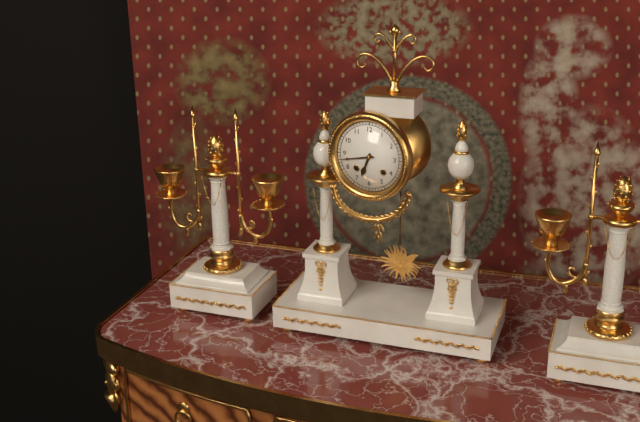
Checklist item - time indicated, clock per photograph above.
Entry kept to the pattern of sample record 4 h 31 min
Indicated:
6 h 43 min
